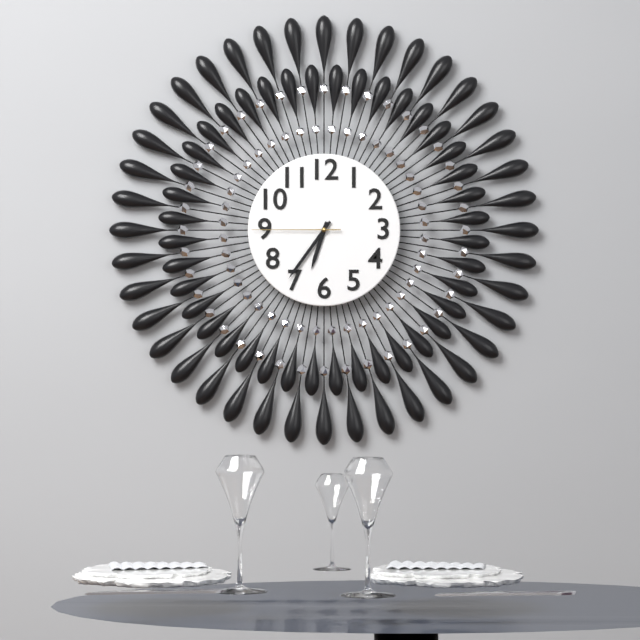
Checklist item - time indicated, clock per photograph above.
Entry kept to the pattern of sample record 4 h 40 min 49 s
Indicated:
6 h 36 min 45 s
